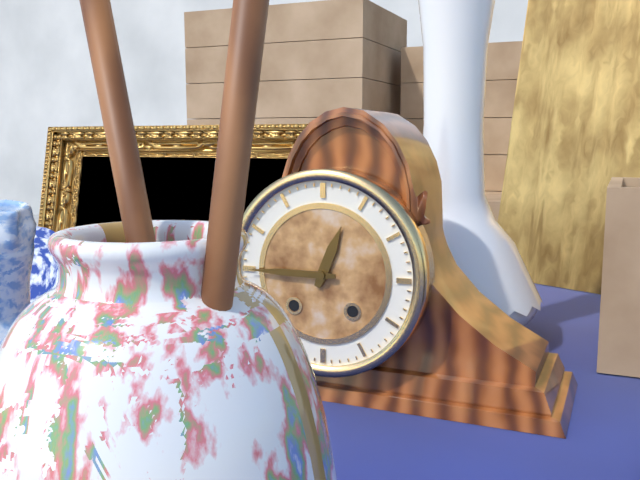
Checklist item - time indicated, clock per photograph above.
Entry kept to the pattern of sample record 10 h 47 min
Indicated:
12 h 45 min
